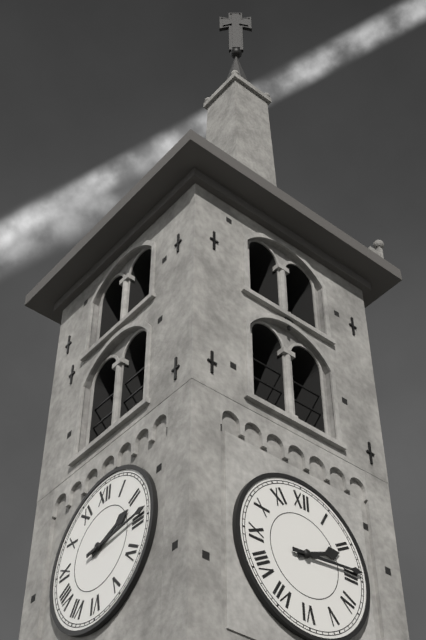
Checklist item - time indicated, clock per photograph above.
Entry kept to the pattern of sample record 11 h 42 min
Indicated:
2 h 14 min
